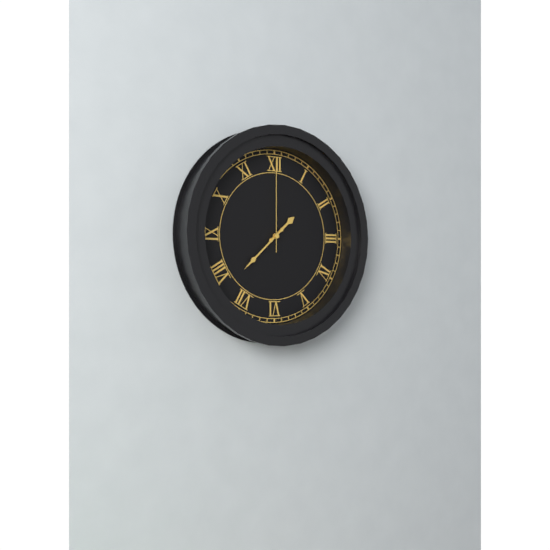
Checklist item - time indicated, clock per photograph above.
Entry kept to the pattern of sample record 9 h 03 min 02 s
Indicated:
1 h 38 min 00 s
